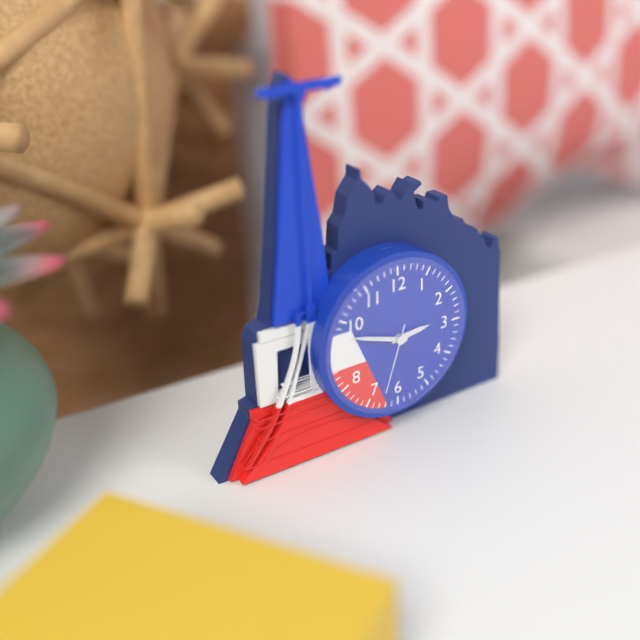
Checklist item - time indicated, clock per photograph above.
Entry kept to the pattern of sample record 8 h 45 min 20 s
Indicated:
2 h 48 min 33 s
